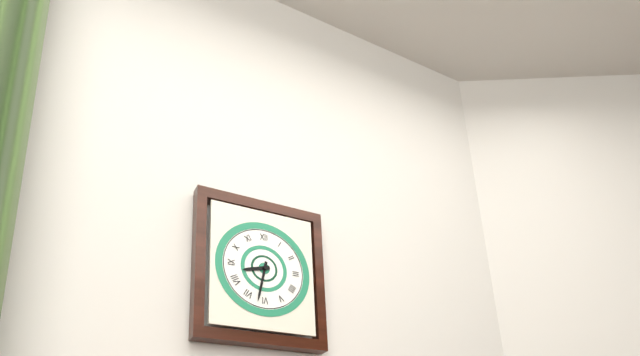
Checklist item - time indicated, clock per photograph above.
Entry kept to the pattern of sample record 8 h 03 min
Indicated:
8 h 32 min
